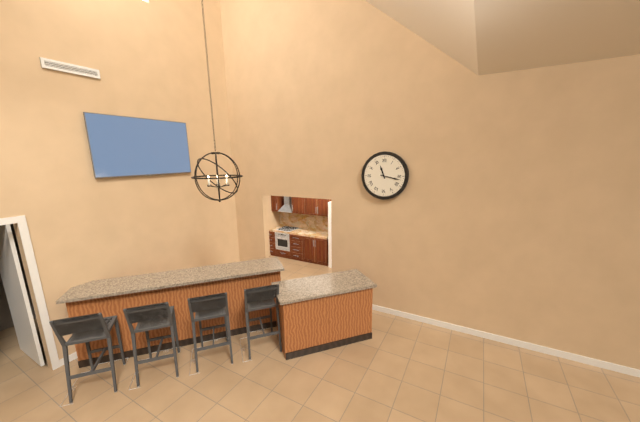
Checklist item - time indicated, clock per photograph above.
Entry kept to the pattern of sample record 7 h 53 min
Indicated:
11 h 17 min
